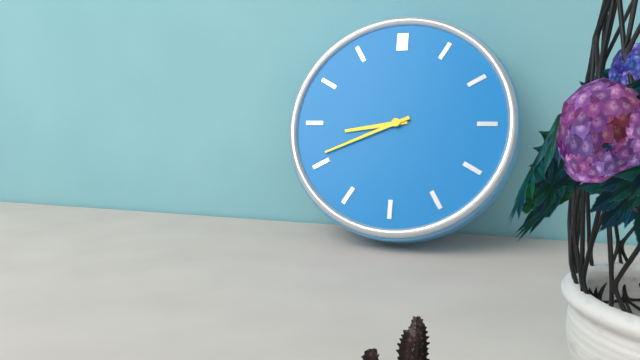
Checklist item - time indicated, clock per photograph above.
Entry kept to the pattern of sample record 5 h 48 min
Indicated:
8 h 41 min
